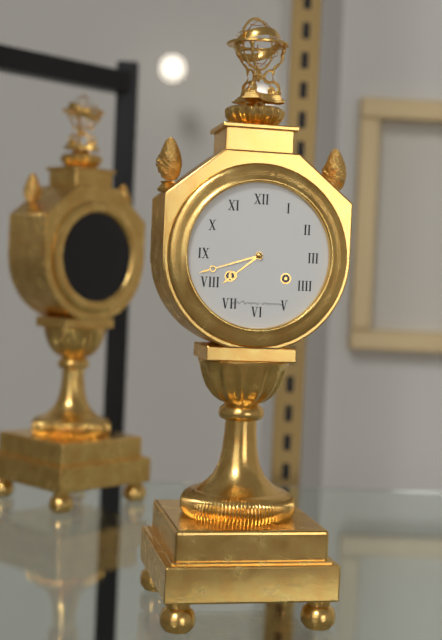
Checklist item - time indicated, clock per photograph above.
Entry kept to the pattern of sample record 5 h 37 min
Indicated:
7 h 42 min
